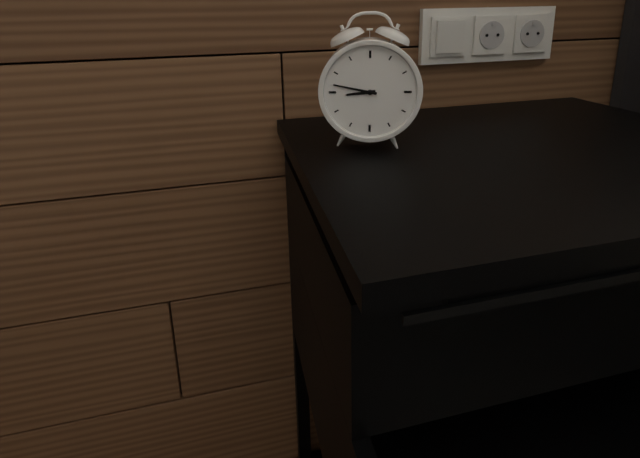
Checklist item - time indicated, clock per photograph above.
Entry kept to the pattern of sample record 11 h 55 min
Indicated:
8 h 47 min
